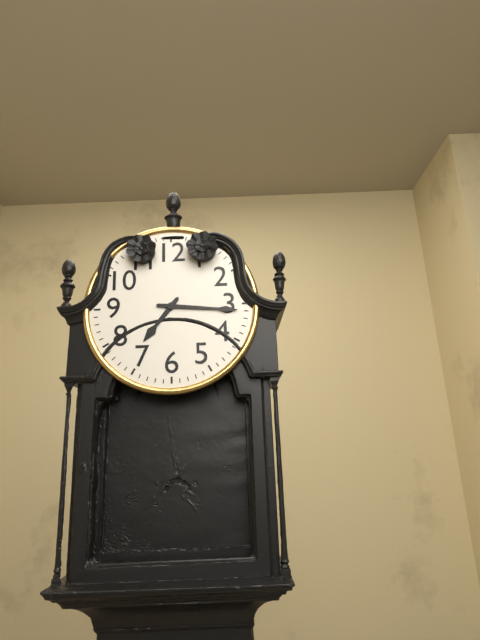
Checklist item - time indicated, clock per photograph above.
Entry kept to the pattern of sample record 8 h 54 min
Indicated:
7 h 16 min
